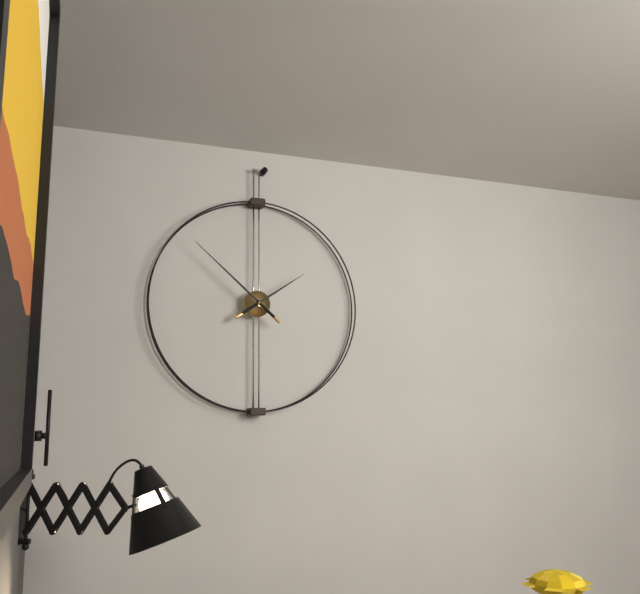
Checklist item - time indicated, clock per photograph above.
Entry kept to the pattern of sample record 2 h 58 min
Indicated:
1 h 52 min
